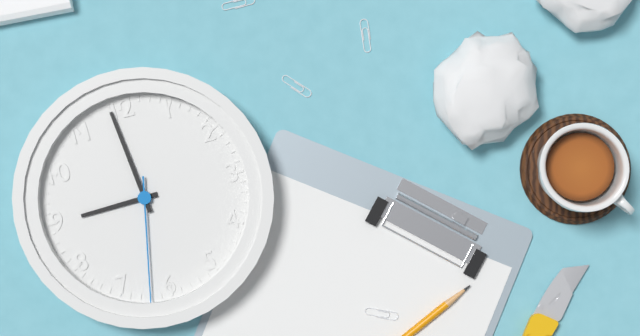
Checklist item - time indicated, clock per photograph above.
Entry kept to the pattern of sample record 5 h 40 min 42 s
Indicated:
8 h 59 min 32 s
